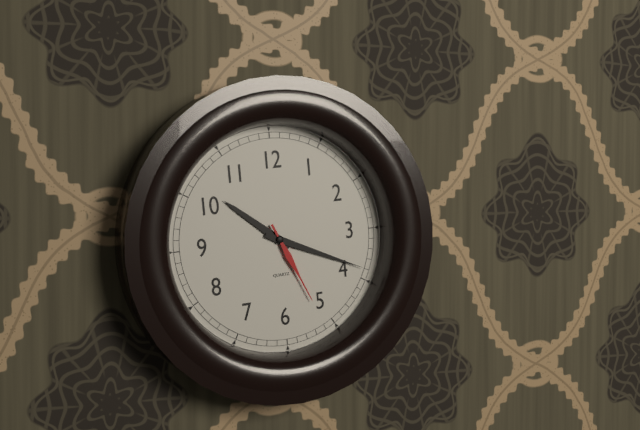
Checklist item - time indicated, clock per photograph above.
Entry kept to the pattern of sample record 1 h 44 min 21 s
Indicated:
10 h 19 min 26 s
